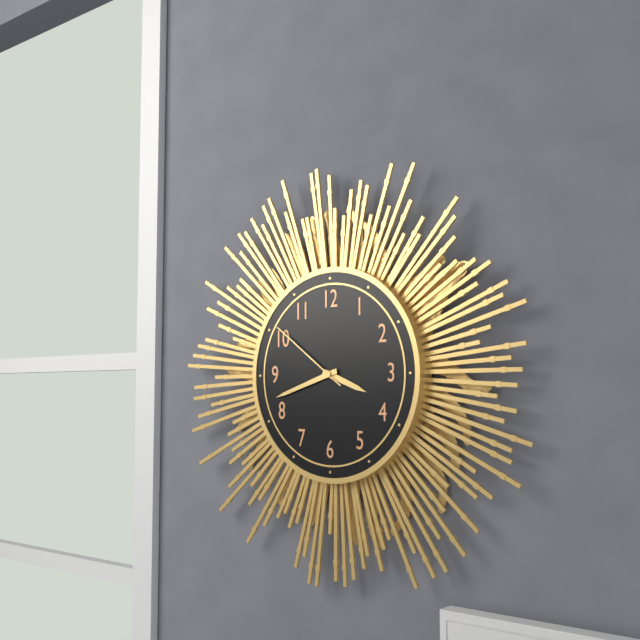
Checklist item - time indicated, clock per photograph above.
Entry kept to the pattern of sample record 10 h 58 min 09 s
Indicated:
3 h 42 min 51 s
